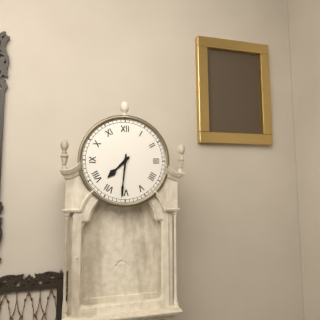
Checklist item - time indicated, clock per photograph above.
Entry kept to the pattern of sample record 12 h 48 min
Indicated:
7 h 31 min
